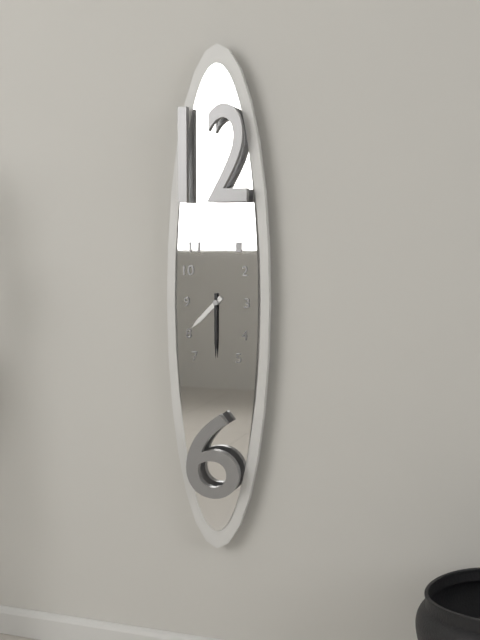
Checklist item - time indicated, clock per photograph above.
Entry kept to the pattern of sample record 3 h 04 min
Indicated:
7 h 30 min
